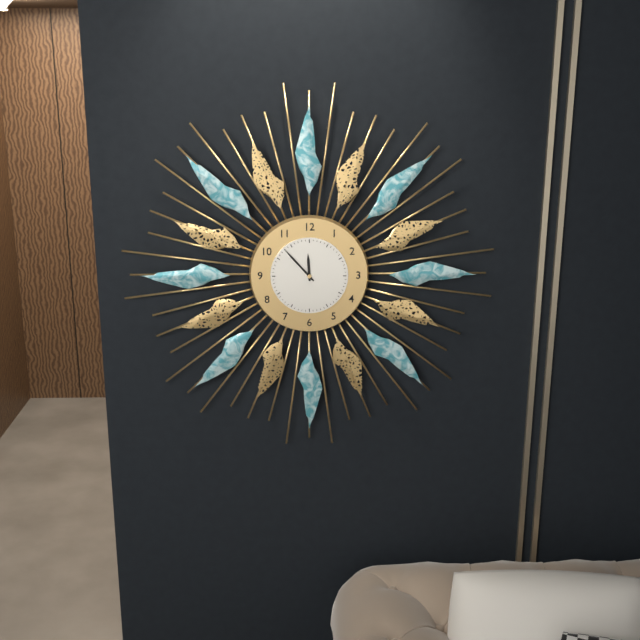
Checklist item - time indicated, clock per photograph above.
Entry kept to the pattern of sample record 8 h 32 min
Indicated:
11 h 53 min
